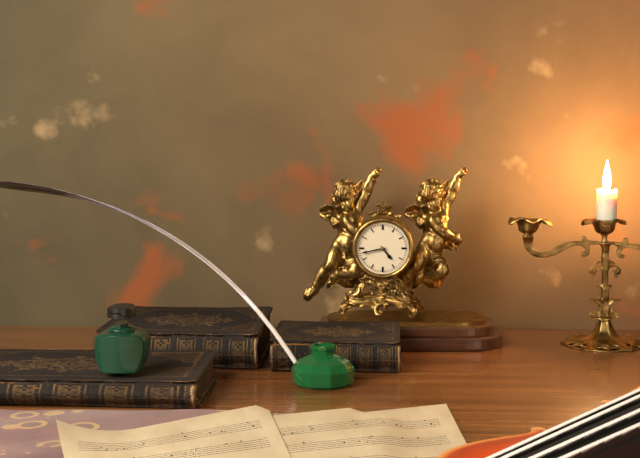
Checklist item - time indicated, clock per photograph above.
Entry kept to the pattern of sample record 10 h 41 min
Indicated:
4 h 43 min
